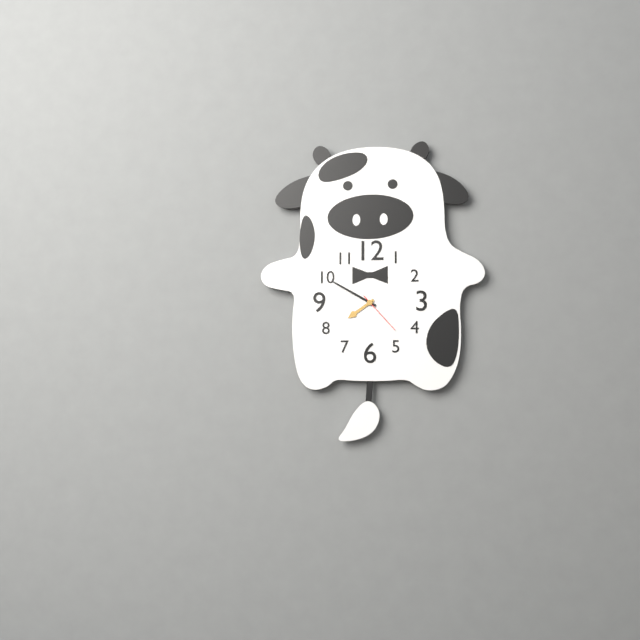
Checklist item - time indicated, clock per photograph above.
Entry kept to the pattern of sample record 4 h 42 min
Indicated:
7 h 50 min
